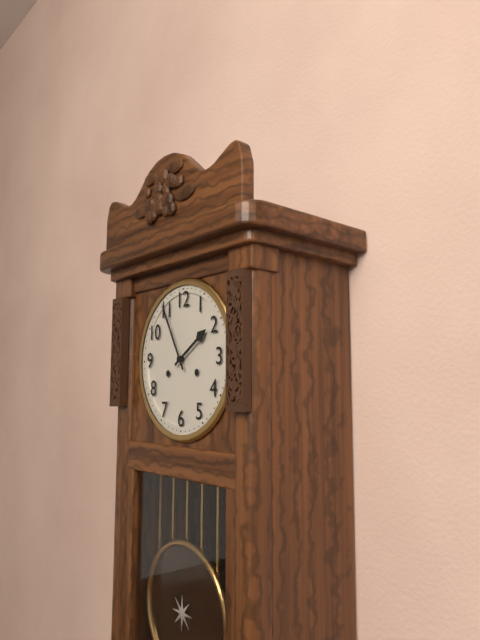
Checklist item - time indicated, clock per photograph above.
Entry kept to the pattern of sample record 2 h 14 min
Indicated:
1 h 55 min
